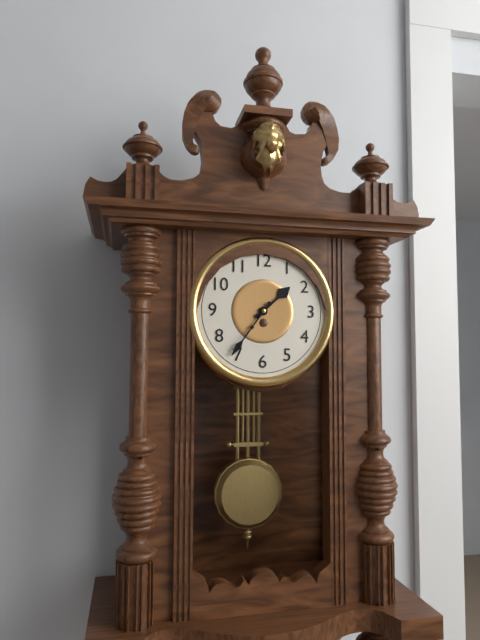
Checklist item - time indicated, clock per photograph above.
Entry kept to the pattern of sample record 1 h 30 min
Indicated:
1 h 36 min
